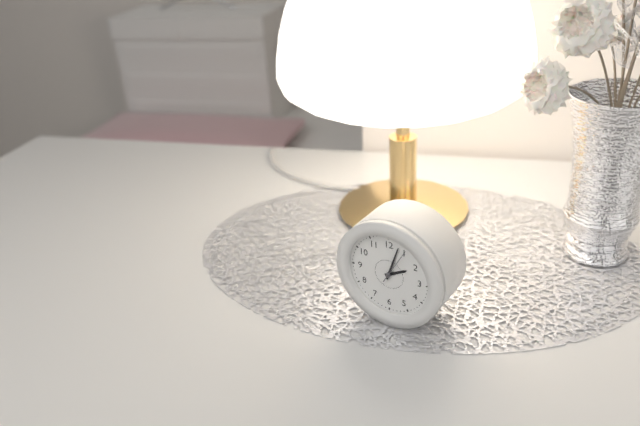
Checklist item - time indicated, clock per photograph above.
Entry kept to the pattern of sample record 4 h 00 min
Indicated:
2 h 03 min
